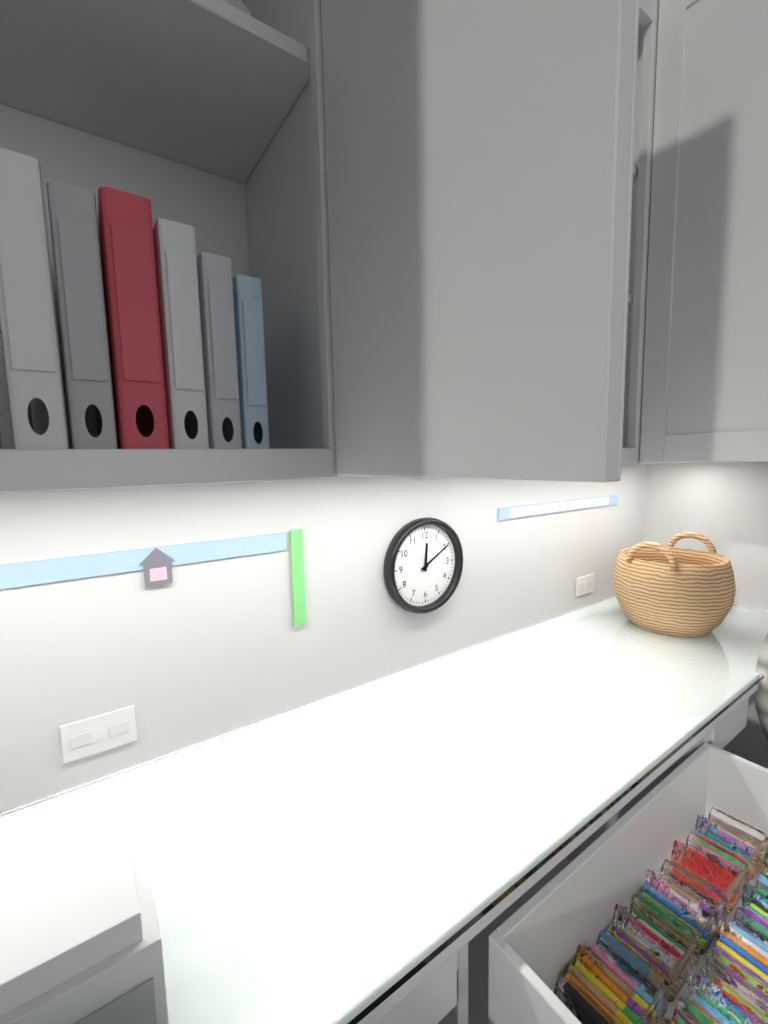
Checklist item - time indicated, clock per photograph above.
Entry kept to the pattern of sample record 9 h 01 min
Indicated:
12 h 10 min
